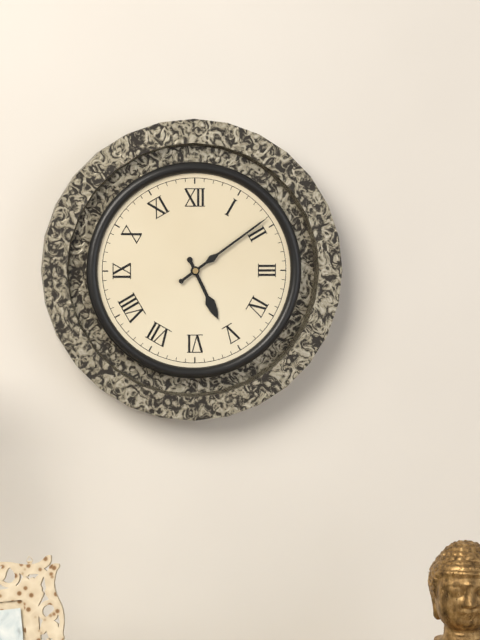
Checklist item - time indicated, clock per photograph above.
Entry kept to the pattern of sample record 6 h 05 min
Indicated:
5 h 09 min
